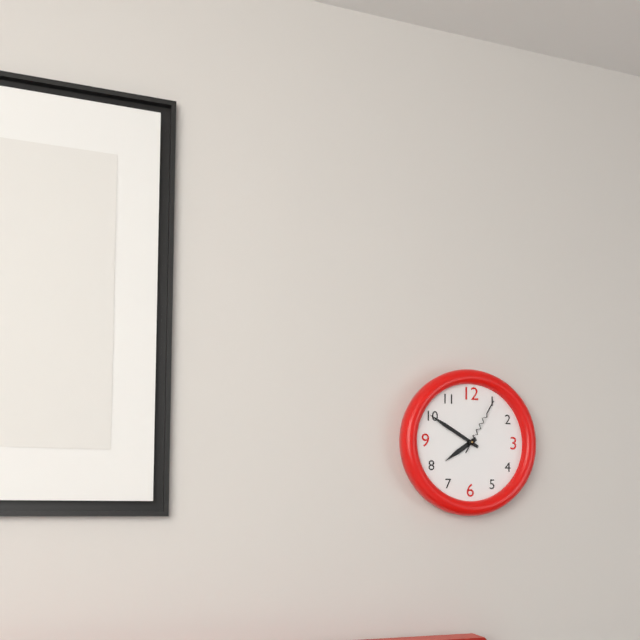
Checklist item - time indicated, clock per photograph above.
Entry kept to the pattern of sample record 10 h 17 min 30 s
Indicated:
7 h 50 min 05 s
